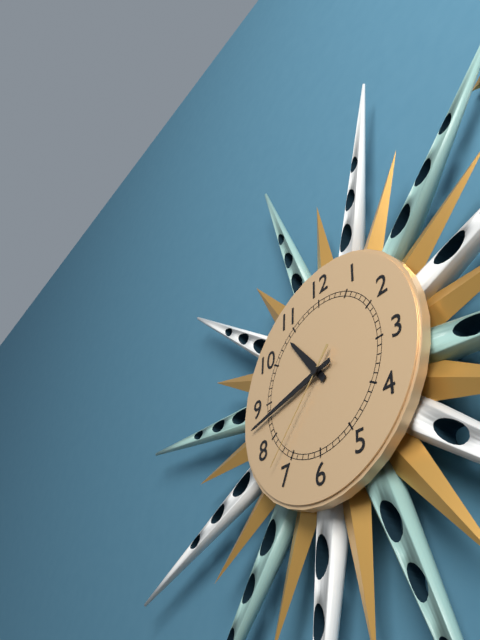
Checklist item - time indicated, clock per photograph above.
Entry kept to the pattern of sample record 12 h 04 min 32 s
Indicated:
10 h 43 min 37 s
